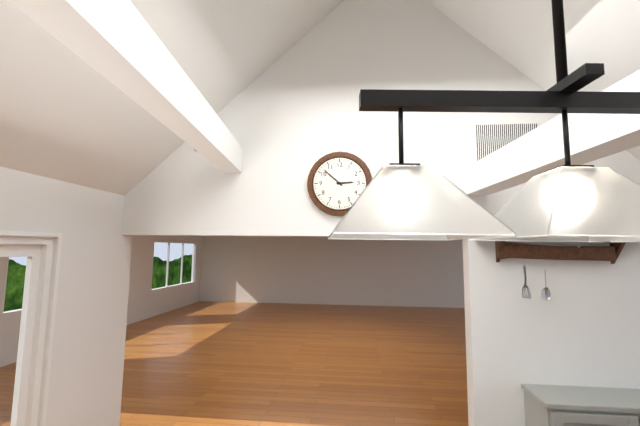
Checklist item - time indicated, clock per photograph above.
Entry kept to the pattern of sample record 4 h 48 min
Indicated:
2 h 52 min
